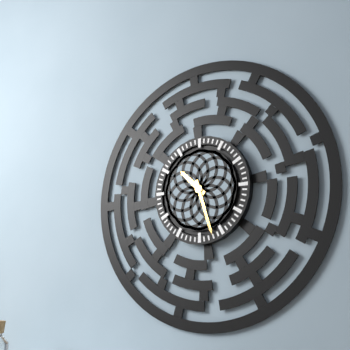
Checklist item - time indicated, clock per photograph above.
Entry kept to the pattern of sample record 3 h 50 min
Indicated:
10 h 27 min
